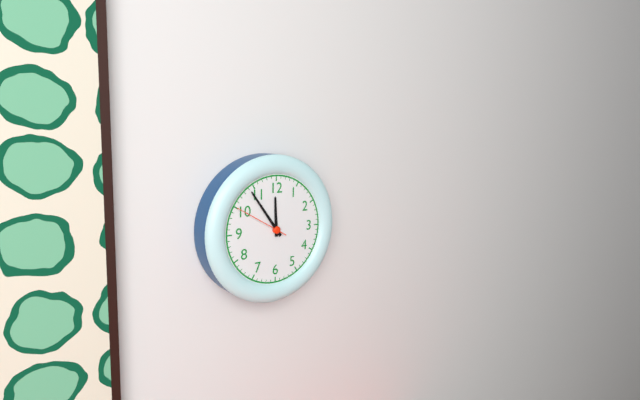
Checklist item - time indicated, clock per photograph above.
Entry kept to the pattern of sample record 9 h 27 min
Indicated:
11 h 54 min
